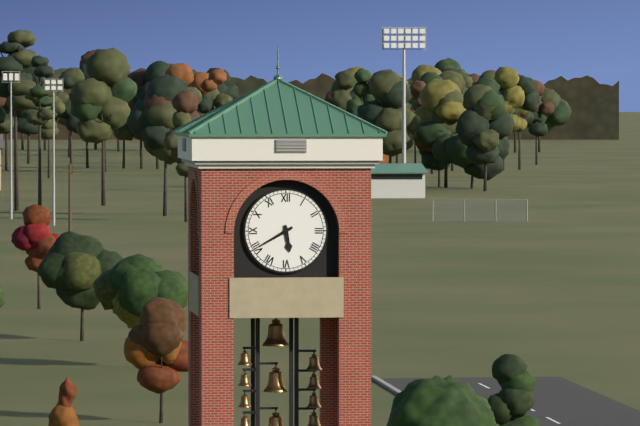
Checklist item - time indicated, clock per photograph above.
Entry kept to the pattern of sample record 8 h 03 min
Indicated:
5 h 40 min
